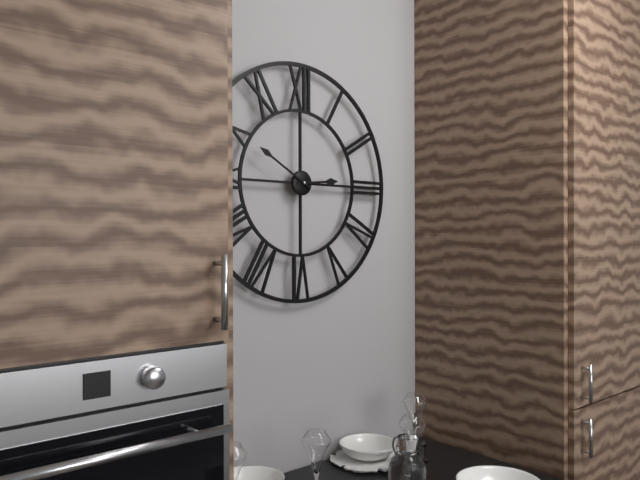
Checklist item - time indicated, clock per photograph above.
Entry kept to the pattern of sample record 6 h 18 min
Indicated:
2 h 50 min
